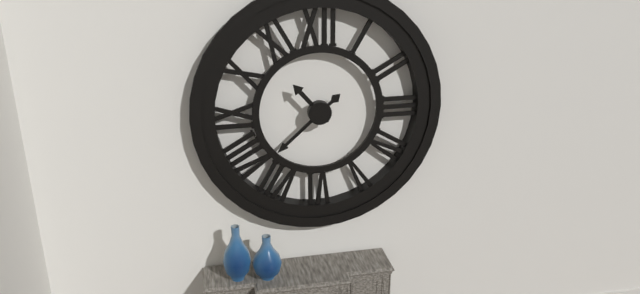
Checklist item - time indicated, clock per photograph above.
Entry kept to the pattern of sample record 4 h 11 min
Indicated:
10 h 38 min
